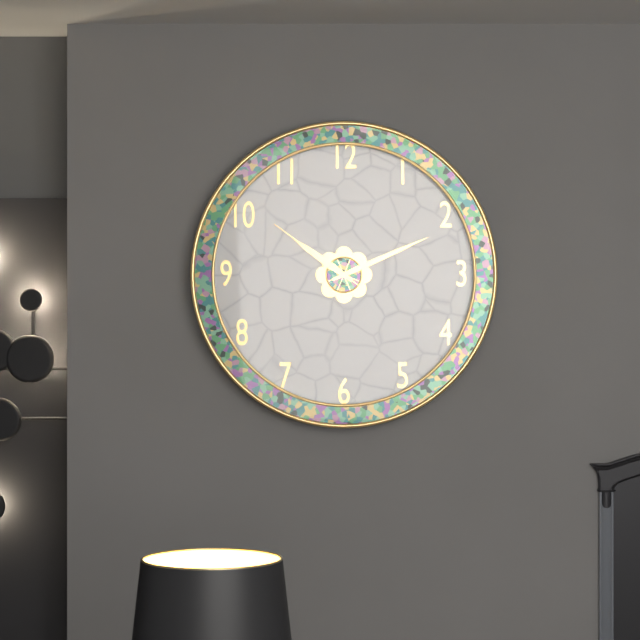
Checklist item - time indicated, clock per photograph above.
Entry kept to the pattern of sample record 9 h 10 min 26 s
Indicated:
10 h 11 min 51 s
